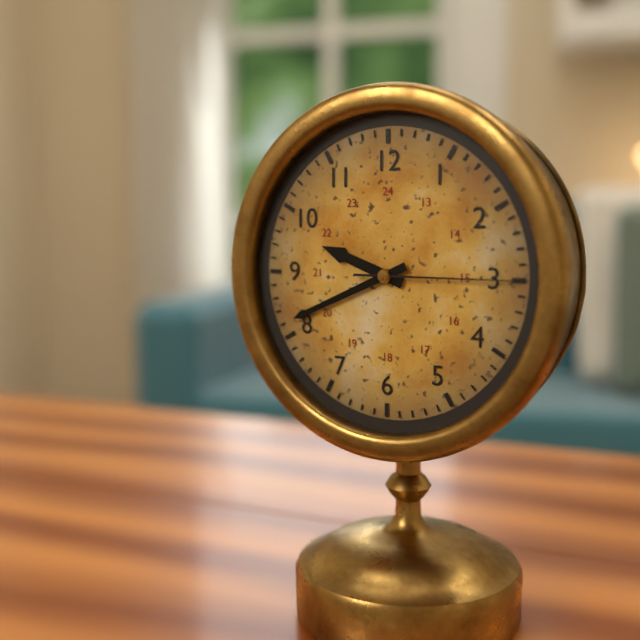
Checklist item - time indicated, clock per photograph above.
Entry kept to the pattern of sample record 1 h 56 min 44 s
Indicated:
9 h 41 min 15 s
